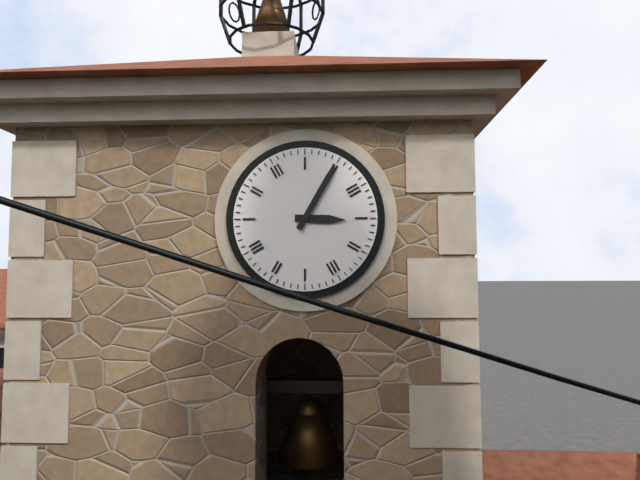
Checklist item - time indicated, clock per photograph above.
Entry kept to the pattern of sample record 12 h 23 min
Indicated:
3 h 05 min
